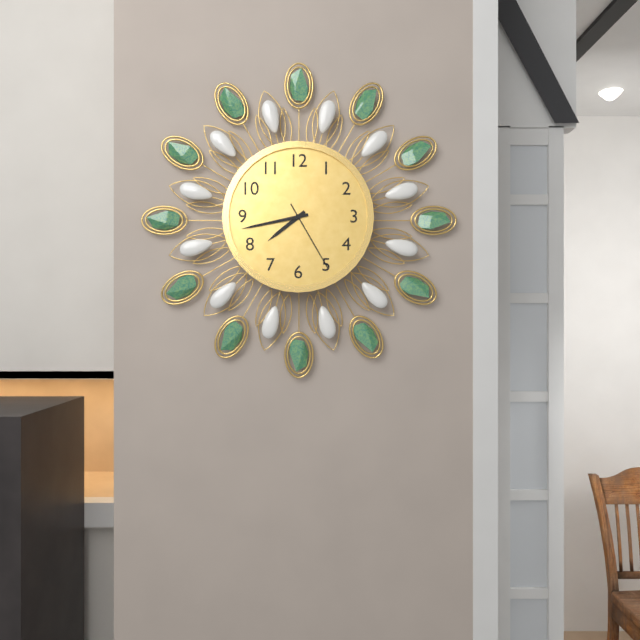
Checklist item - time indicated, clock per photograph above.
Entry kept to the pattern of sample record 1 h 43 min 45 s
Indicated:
7 h 43 min 25 s
